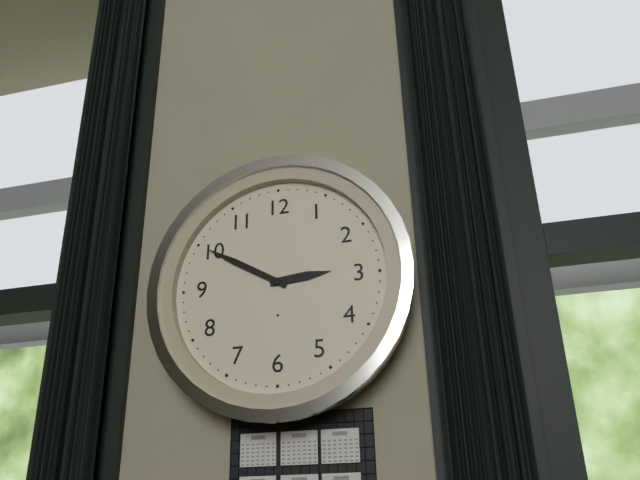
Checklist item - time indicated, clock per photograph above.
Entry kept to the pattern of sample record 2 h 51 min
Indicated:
2 h 50 min
